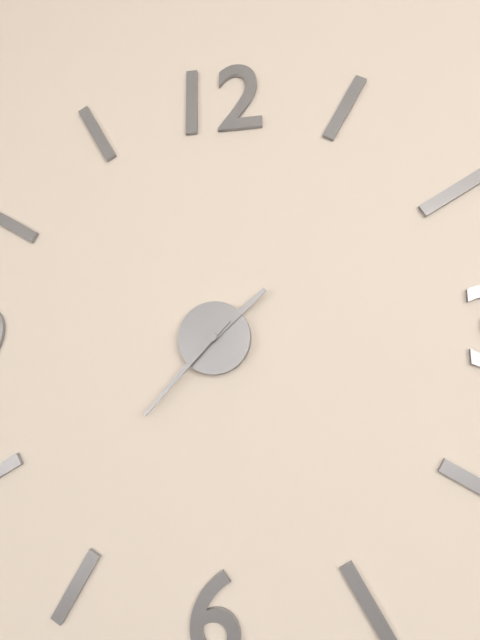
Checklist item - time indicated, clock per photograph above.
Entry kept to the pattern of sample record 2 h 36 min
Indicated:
1 h 37 min
